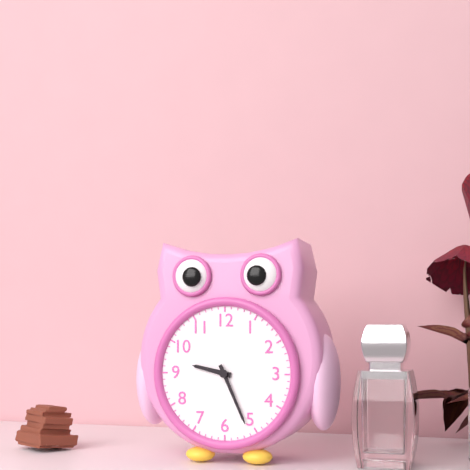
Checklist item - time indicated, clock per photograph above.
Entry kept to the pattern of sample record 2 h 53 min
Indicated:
9 h 26 min
